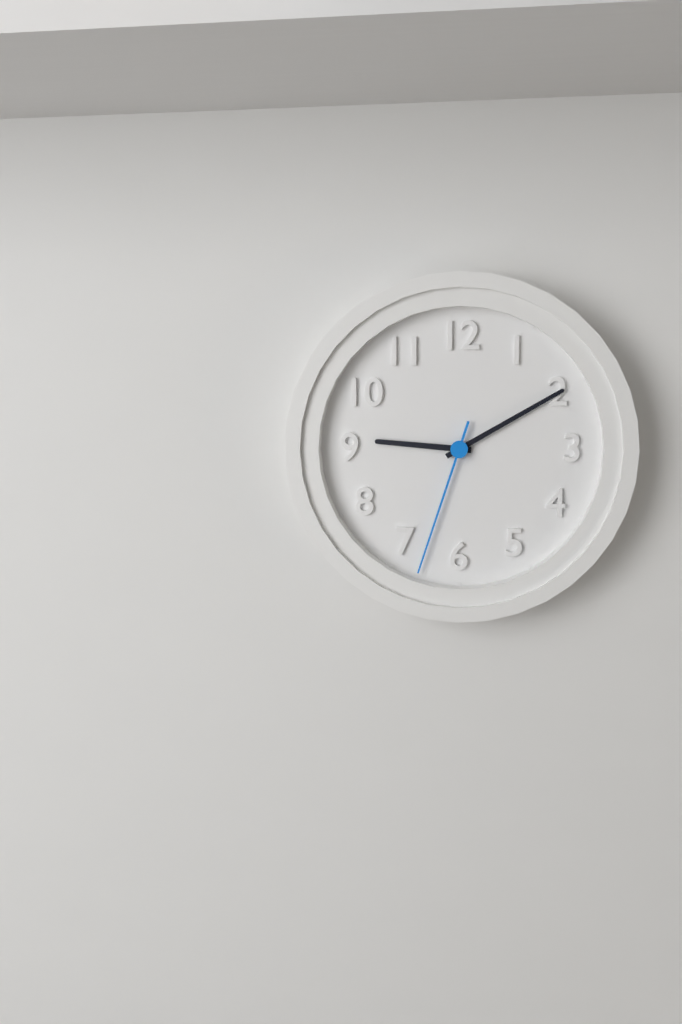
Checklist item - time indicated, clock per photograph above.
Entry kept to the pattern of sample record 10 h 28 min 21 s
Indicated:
9 h 10 min 33 s
